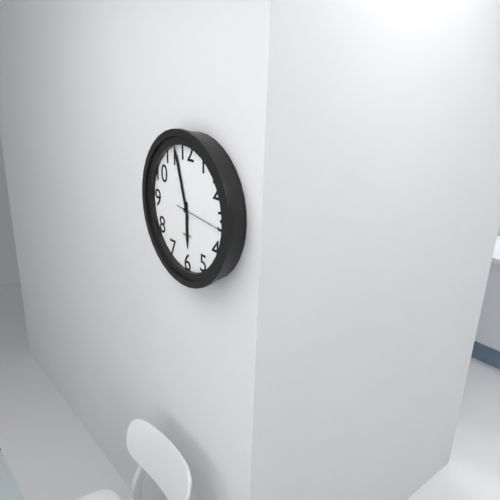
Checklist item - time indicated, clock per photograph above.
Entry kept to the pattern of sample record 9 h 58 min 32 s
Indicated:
5 h 57 min 16 s
